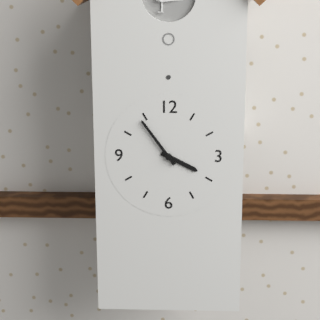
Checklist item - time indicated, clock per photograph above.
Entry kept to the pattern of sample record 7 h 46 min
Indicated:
3 h 54 min
